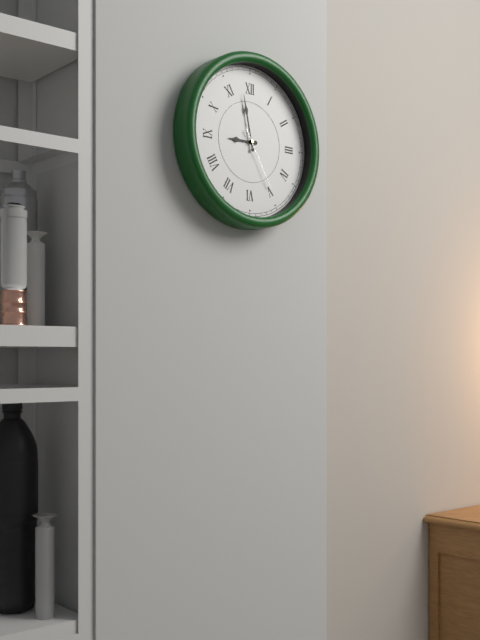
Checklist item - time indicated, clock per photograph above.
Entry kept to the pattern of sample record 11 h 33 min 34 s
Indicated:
8 h 58 min 25 s
